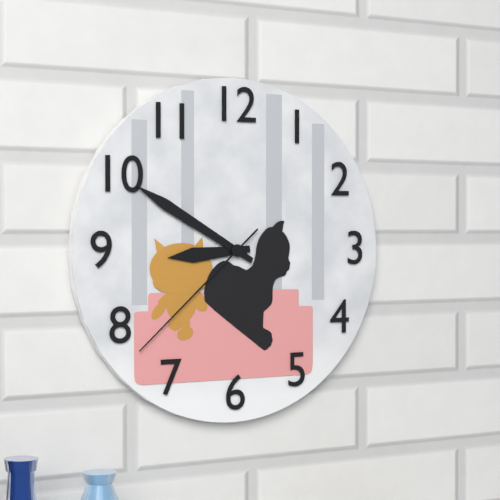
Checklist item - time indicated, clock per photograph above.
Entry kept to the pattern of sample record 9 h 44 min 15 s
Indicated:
8 h 50 min 38 s
